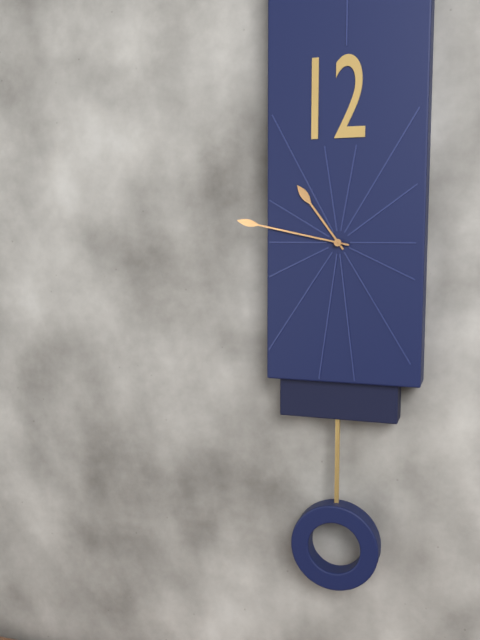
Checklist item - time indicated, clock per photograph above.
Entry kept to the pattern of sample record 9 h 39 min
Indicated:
10 h 47 min
